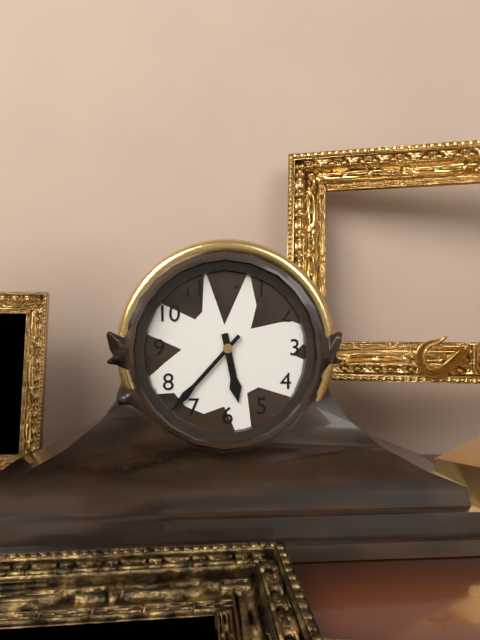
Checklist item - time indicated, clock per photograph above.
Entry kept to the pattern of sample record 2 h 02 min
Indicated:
5 h 37 min
